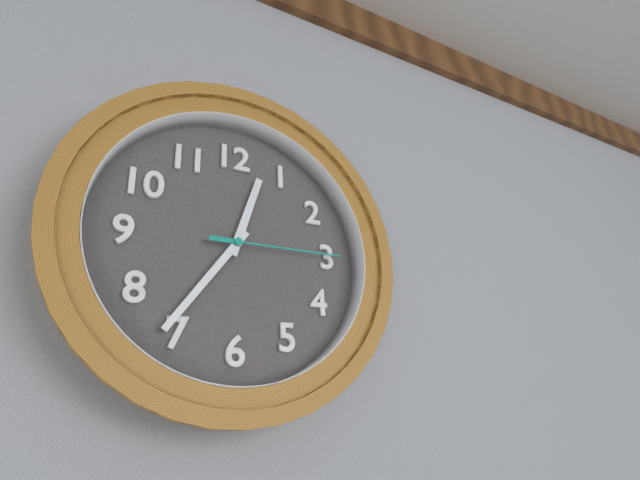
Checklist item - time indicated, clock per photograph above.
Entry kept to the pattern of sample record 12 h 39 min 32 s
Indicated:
12 h 36 min 15 s
